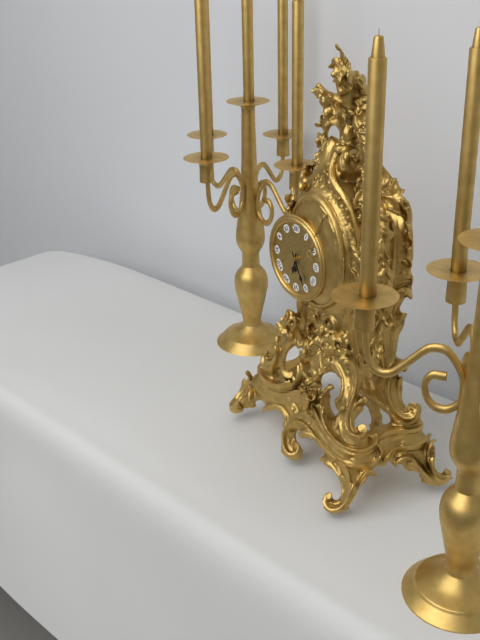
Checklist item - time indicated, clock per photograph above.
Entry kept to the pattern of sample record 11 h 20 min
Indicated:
6 h 25 min
